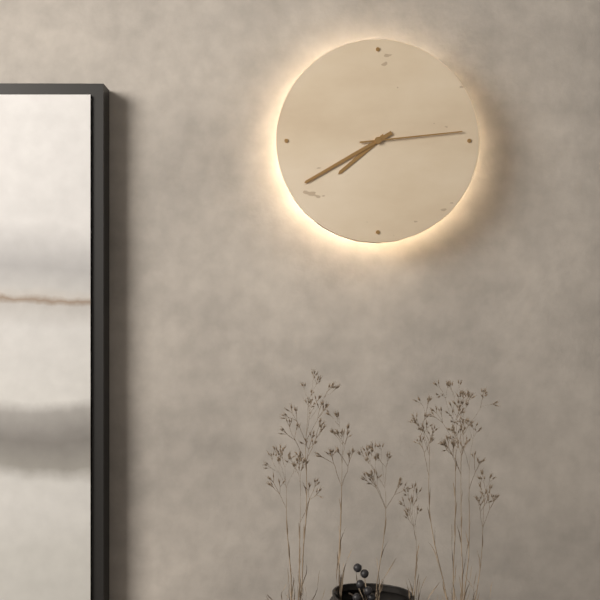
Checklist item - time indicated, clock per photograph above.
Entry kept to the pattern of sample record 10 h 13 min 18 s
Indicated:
7 h 40 min 14 s
